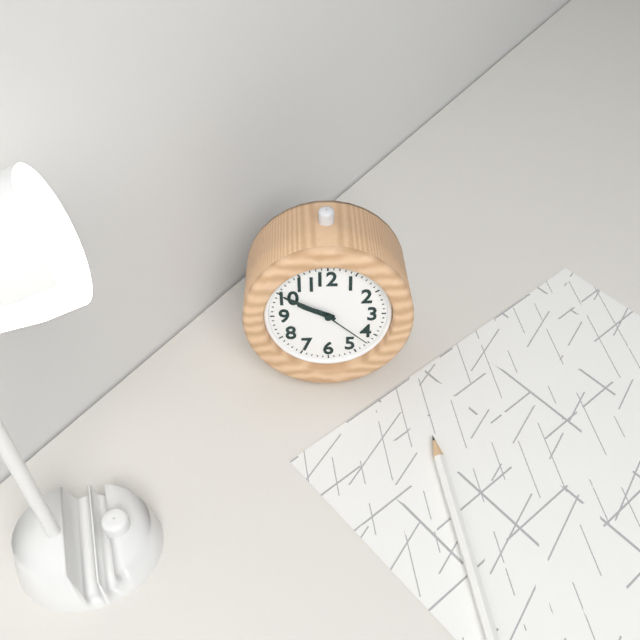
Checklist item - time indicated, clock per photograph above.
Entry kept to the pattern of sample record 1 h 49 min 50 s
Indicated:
9 h 50 min 22 s
